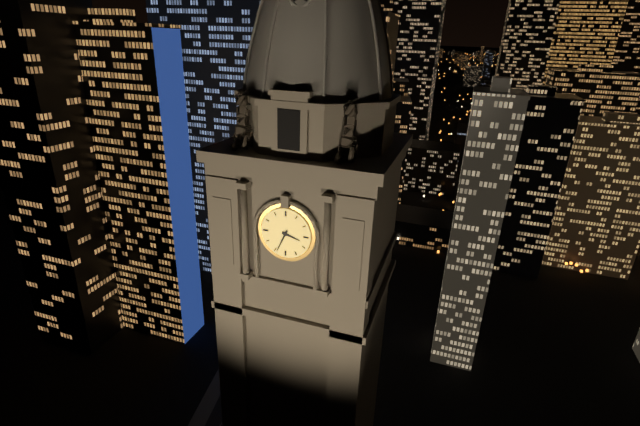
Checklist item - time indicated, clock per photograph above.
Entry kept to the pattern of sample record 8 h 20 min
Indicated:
3 h 34 min
